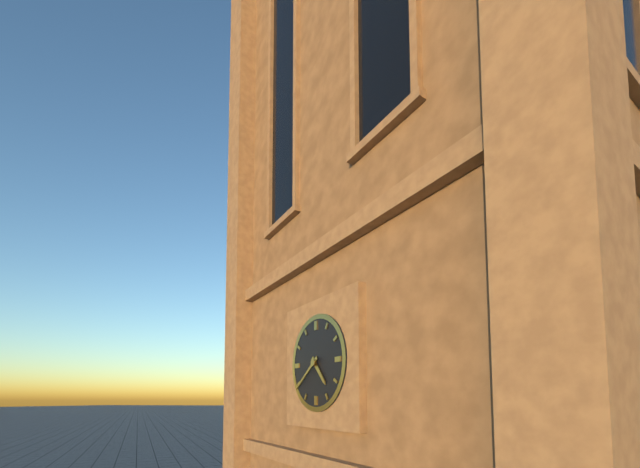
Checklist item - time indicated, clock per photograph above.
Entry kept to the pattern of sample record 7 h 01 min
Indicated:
4 h 39 min
